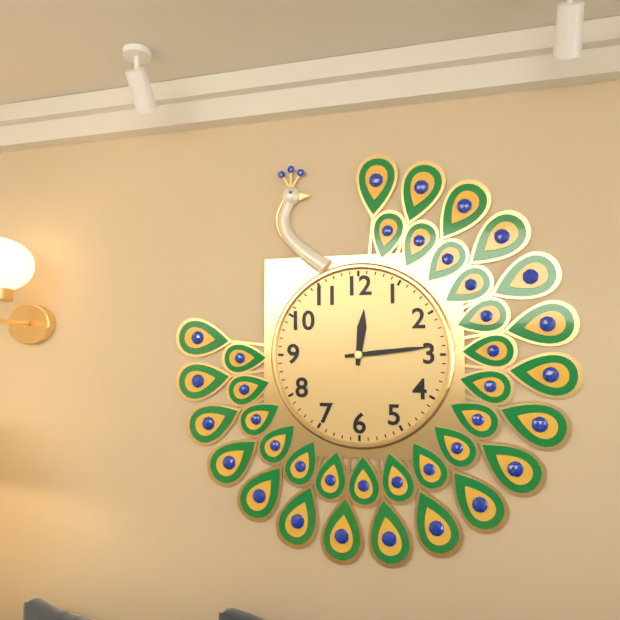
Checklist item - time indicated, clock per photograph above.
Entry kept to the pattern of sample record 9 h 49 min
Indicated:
12 h 14 min
